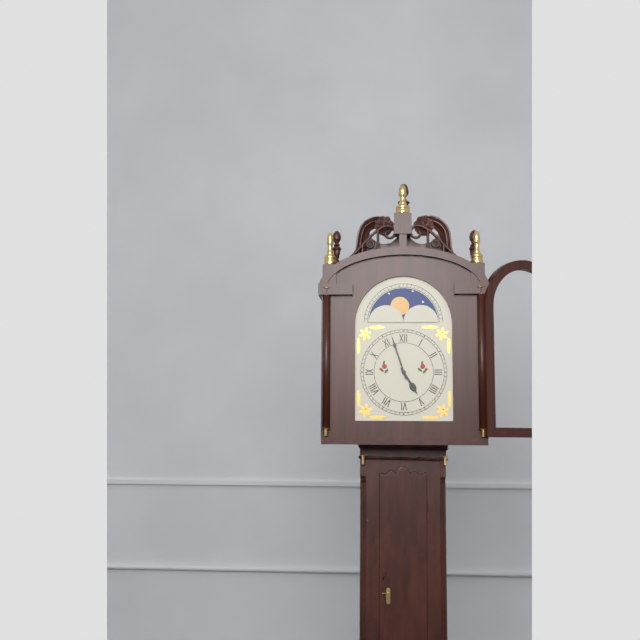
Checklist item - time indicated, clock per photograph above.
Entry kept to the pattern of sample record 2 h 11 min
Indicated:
4 h 57 min
